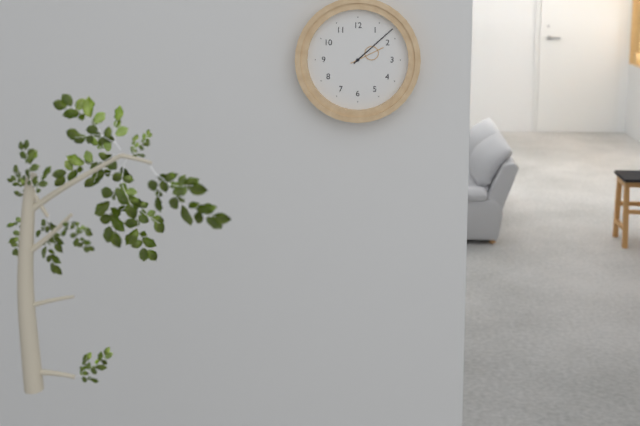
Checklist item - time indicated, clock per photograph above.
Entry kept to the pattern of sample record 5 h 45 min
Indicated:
2 h 08 min
